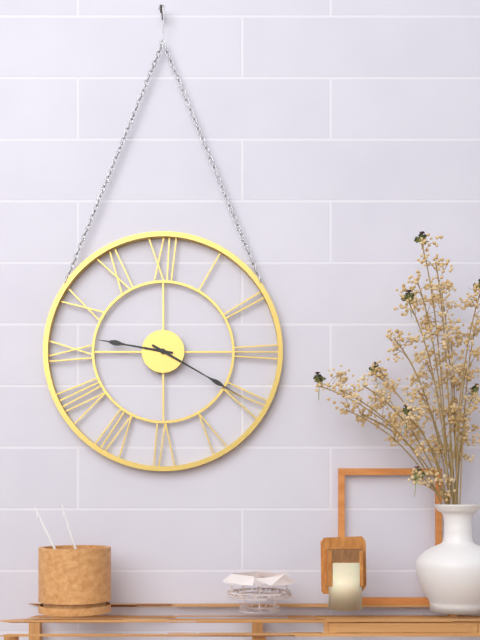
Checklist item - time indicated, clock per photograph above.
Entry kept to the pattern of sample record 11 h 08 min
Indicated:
9 h 20 min
